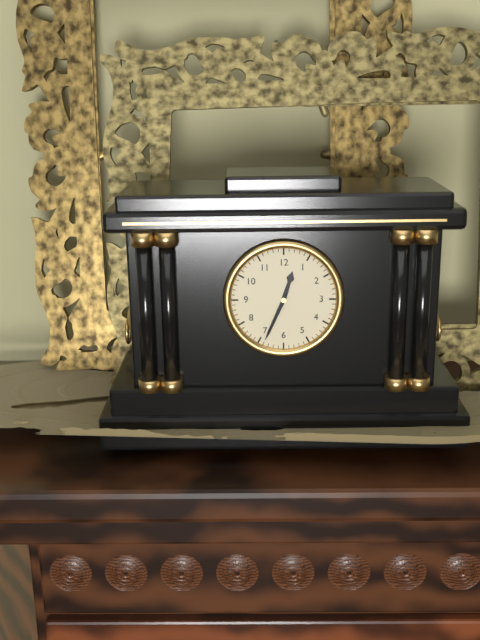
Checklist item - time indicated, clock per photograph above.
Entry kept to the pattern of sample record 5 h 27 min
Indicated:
12 h 34 min
